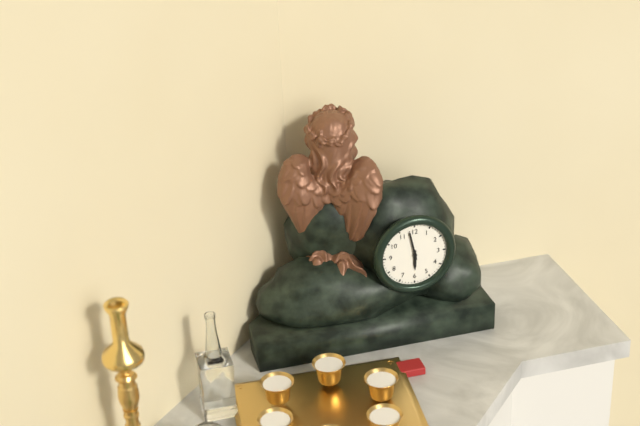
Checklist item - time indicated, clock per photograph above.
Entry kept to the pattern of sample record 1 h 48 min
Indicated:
5 h 58 min
